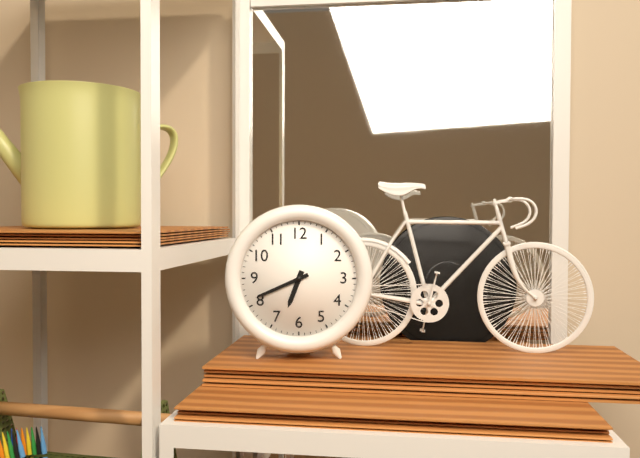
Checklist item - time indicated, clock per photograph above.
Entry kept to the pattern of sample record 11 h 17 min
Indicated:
6 h 41 min
